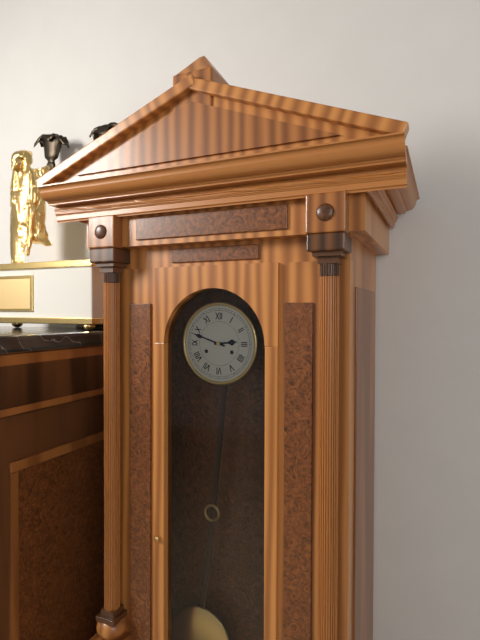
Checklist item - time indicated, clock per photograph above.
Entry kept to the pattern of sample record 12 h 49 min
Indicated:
2 h 48 min
